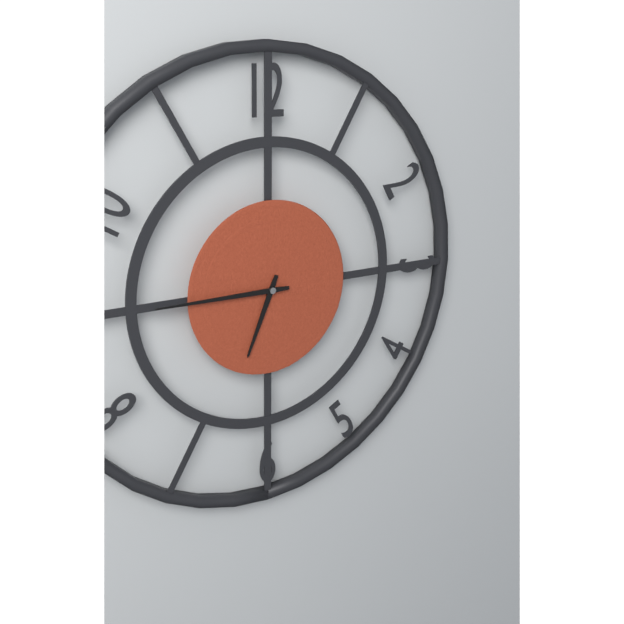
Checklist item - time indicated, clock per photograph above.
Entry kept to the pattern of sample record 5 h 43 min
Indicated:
6 h 45 min
